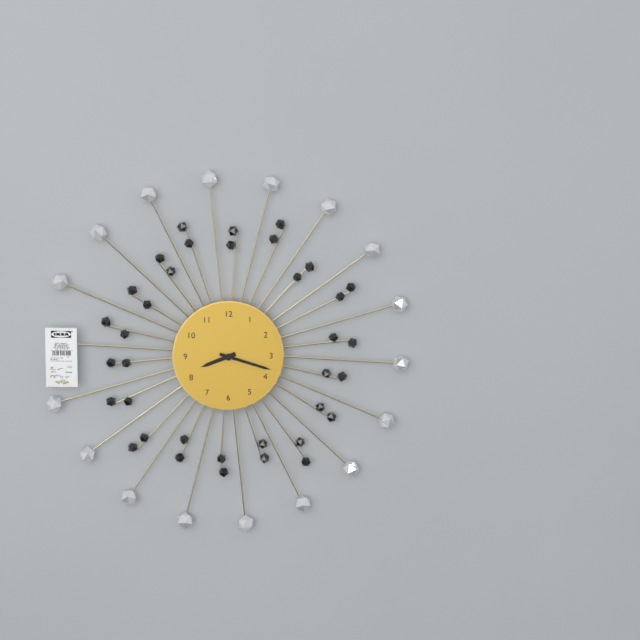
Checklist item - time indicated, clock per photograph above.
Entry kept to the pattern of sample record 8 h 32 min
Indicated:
8 h 18 min
